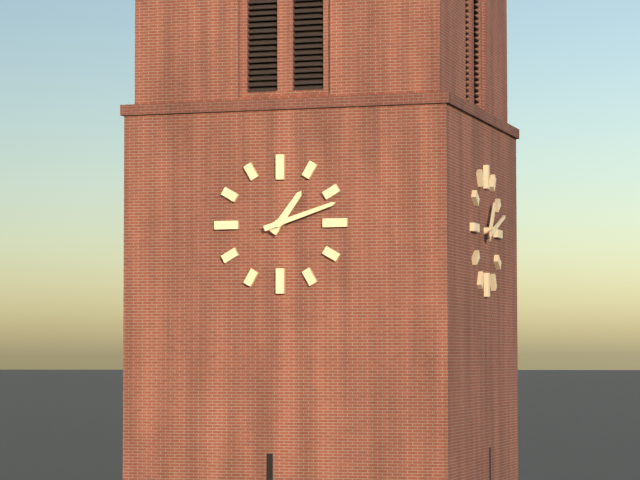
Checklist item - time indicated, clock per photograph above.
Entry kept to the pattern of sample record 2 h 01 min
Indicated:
1 h 12 min
